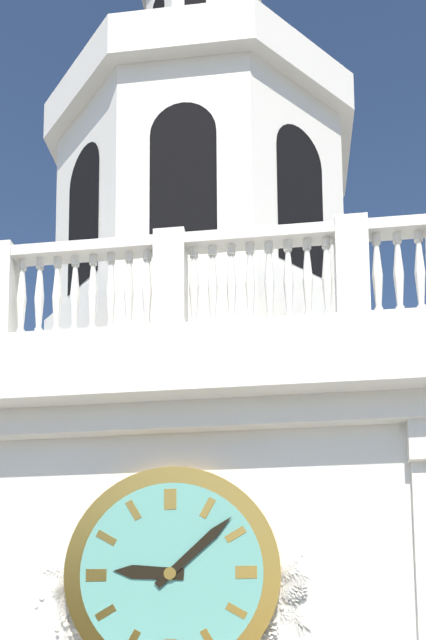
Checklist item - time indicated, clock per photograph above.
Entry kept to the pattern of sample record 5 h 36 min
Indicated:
9 h 08 min
